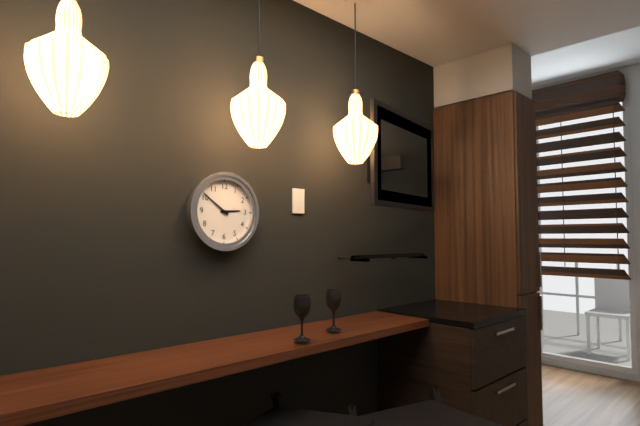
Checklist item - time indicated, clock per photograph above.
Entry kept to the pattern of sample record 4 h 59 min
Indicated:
2 h 51 min
